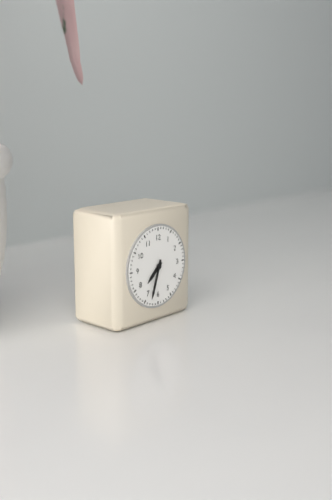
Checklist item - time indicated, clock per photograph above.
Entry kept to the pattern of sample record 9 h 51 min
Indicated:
7 h 33 min
